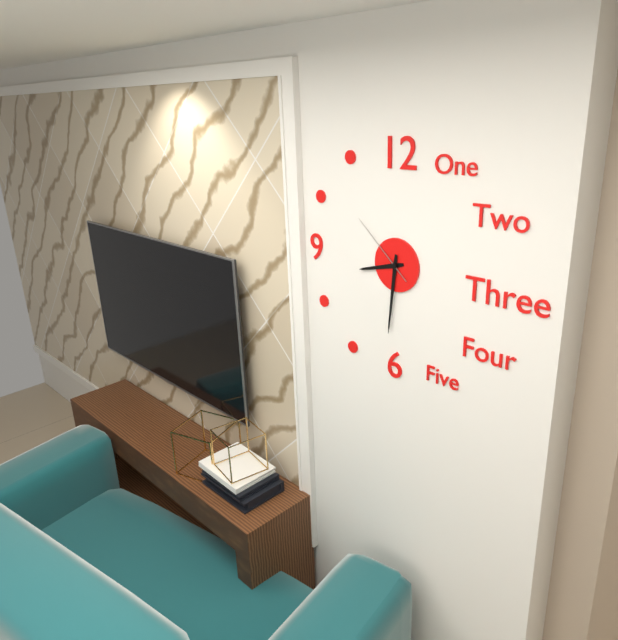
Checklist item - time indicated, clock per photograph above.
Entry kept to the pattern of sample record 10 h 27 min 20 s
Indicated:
8 h 31 min 52 s
